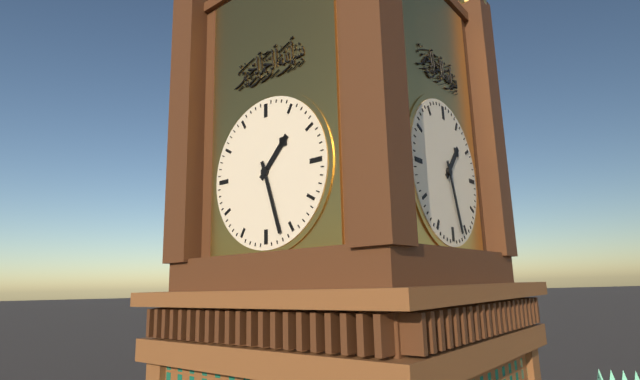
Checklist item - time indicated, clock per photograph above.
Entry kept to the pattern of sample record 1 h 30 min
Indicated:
1 h 27 min
